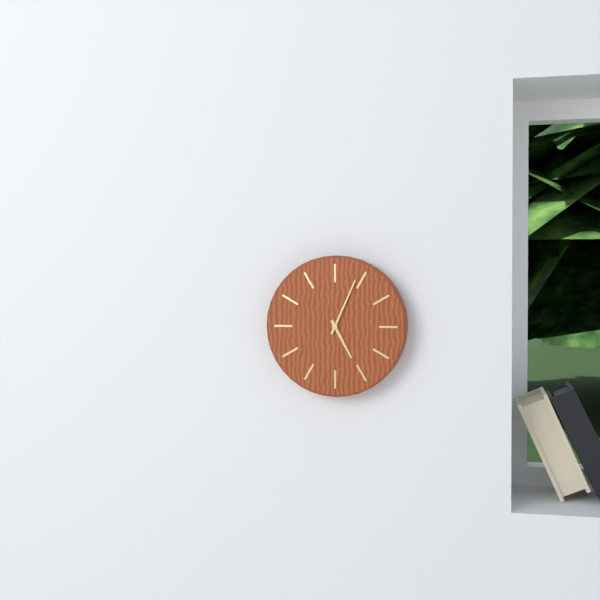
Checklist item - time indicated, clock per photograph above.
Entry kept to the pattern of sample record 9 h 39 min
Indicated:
5 h 04 min
